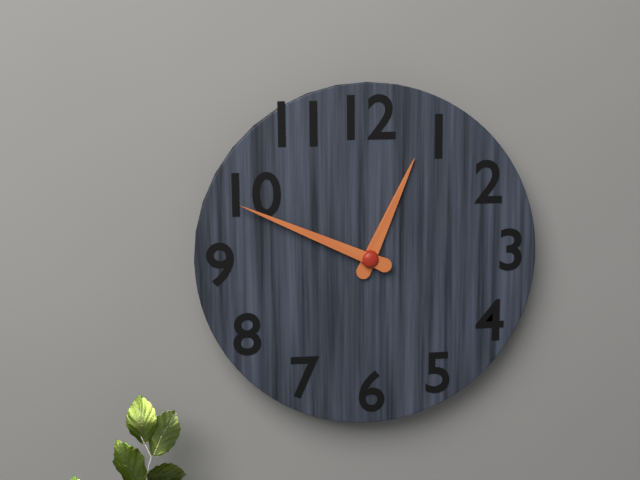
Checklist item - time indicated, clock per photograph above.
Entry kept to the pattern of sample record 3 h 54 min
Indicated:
12 h 49 min
